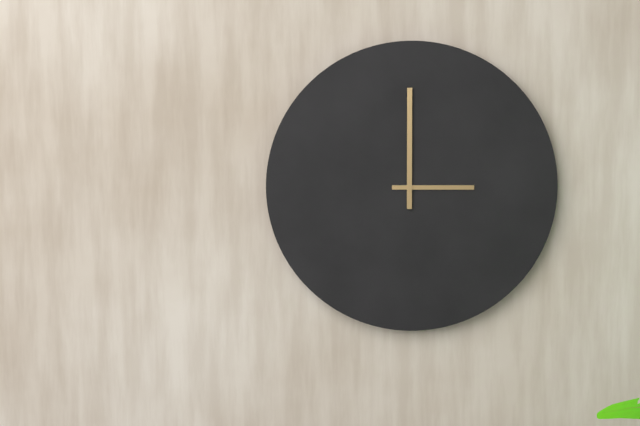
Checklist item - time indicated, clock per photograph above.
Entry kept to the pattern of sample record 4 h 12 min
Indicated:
3 h 00 min
